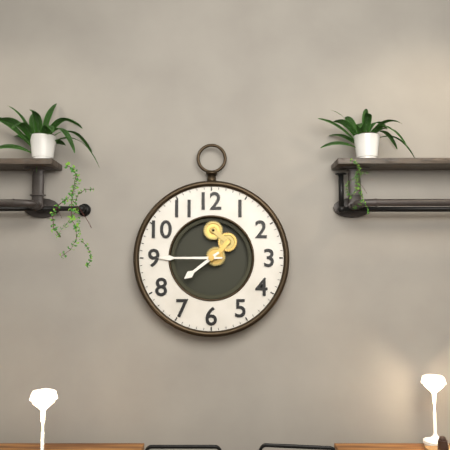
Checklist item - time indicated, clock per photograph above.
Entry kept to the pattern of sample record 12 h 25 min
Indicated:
7 h 45 min
